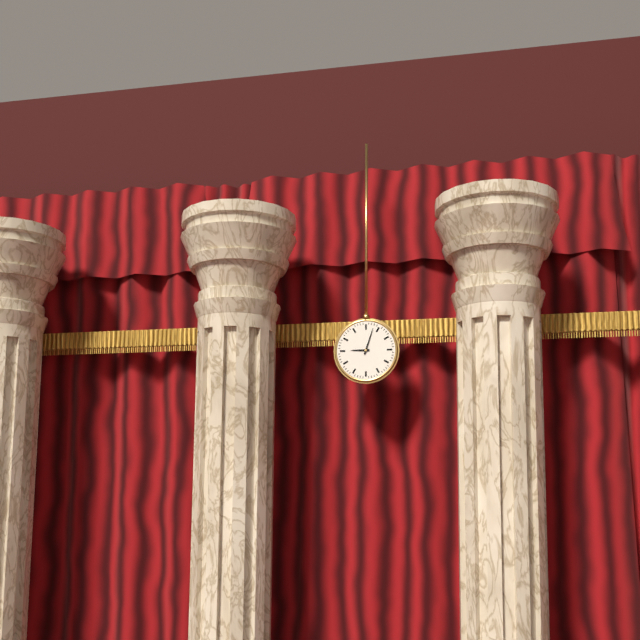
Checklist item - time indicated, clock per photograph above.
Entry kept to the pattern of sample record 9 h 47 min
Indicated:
9 h 03 min
